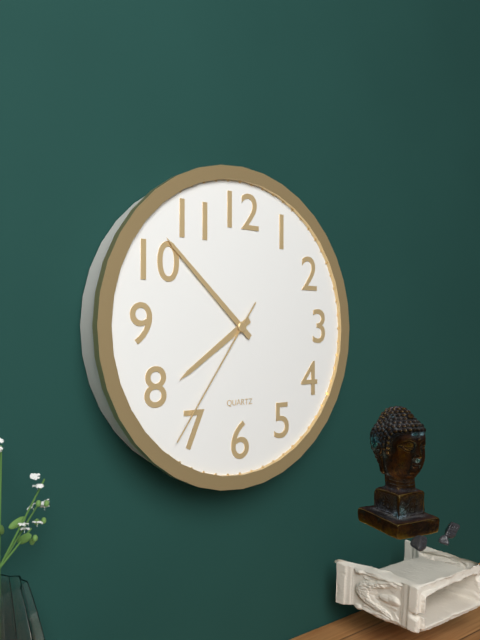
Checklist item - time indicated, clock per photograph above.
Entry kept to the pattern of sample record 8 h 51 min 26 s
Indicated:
7 h 52 min 36 s
